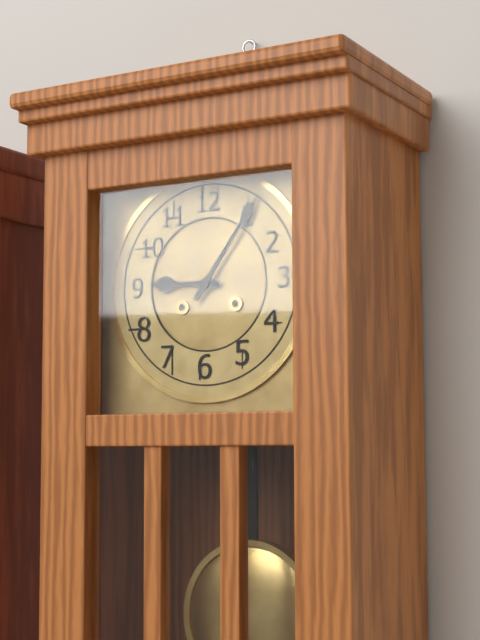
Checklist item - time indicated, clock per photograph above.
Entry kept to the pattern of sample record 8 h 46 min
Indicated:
9 h 06 min
